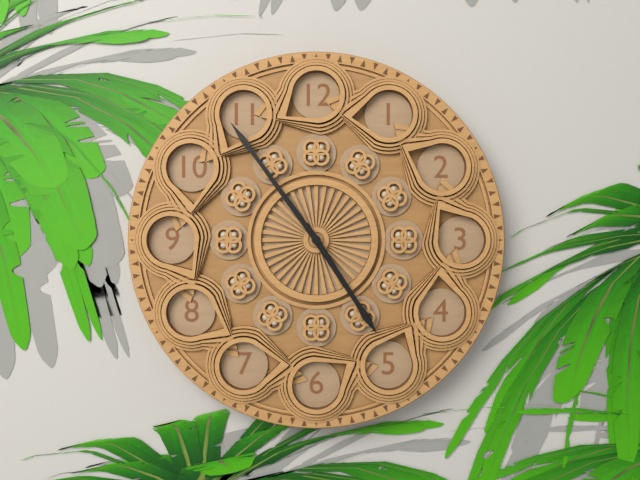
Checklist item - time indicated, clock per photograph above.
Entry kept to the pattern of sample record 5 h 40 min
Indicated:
4 h 54 min
